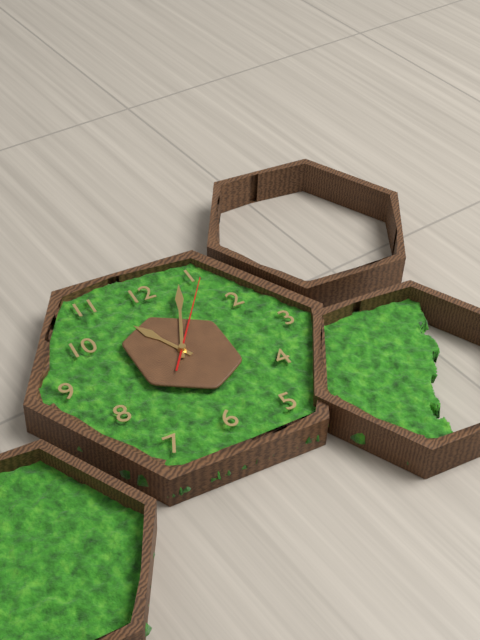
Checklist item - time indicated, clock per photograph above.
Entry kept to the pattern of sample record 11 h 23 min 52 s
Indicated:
11 h 04 min 06 s
